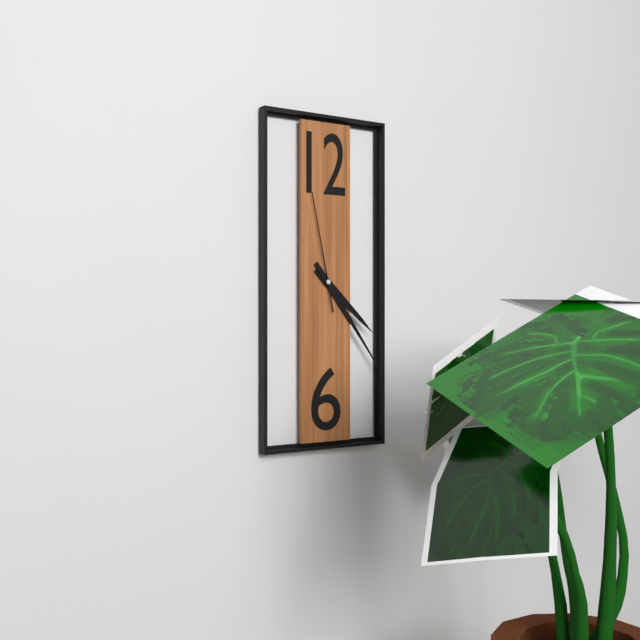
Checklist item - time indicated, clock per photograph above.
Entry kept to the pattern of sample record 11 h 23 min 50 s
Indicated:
4 h 24 min 58 s
